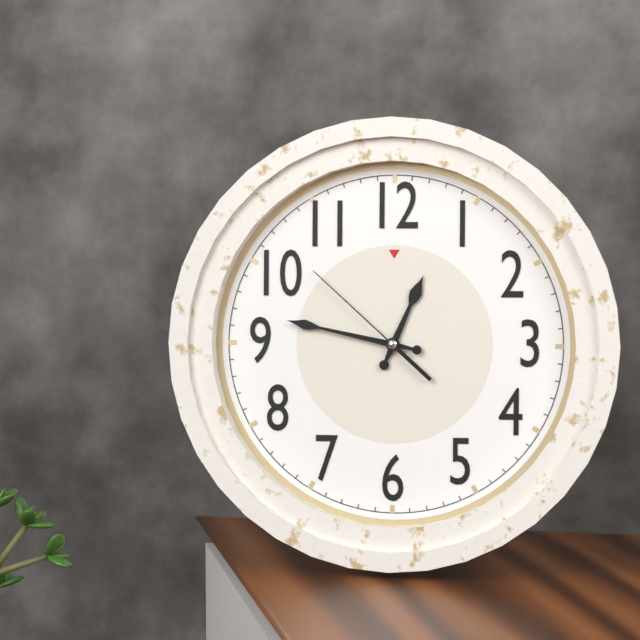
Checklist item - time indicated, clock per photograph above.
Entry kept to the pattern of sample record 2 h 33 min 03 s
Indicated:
12 h 47 min 52 s
